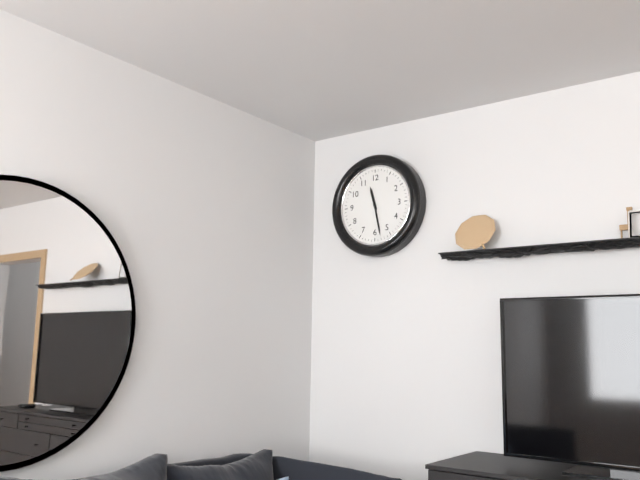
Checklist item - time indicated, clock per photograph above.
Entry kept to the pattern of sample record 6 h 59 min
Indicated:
11 h 28 min
